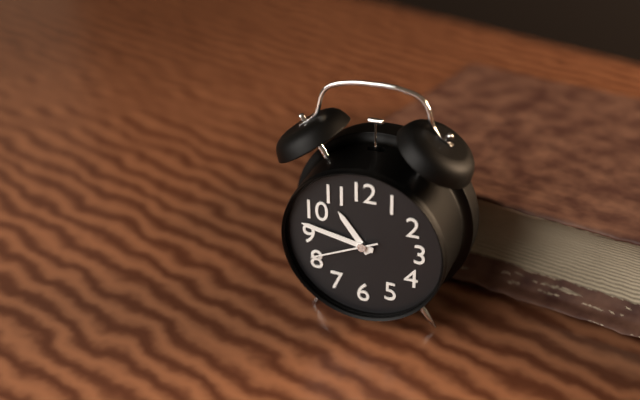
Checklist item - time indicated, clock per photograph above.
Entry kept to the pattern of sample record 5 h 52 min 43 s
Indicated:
10 h 47 min 41 s
